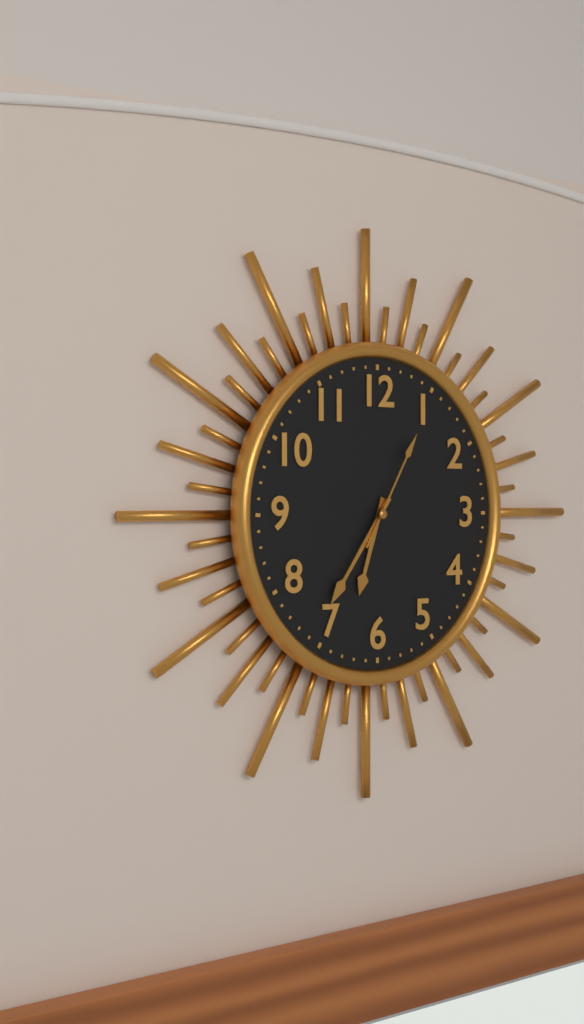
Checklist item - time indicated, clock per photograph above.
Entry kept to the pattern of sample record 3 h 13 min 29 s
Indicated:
6 h 36 min 05 s
